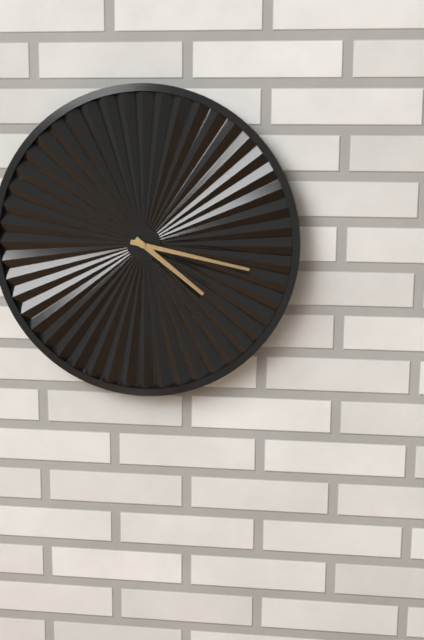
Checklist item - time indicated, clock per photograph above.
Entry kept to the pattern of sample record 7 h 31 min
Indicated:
4 h 17 min
